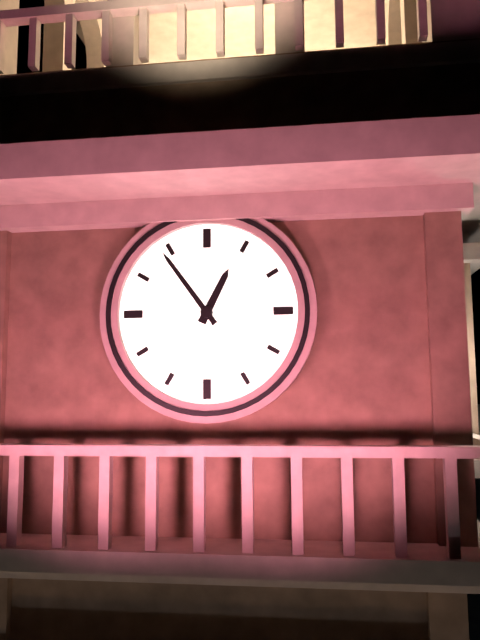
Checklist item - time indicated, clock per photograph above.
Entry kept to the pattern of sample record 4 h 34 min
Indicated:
12 h 54 min
